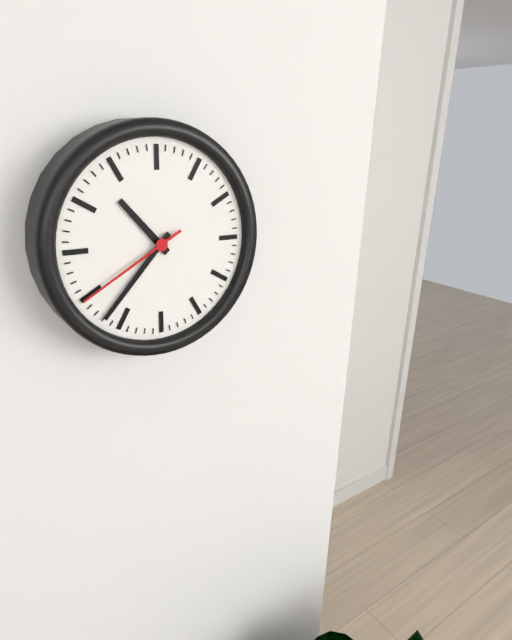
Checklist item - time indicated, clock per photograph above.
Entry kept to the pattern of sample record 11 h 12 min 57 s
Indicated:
10 h 37 min 40 s
